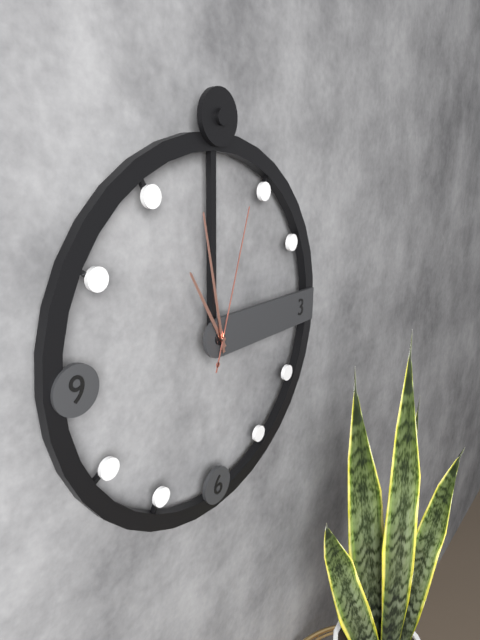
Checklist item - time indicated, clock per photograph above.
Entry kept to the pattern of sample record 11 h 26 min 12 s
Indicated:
10 h 58 min 03 s
